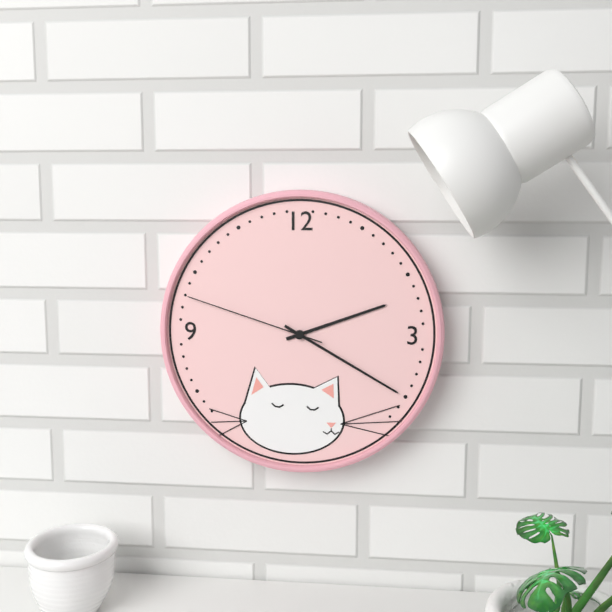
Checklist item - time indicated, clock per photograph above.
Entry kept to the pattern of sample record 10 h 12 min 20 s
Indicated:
2 h 20 min 48 s
